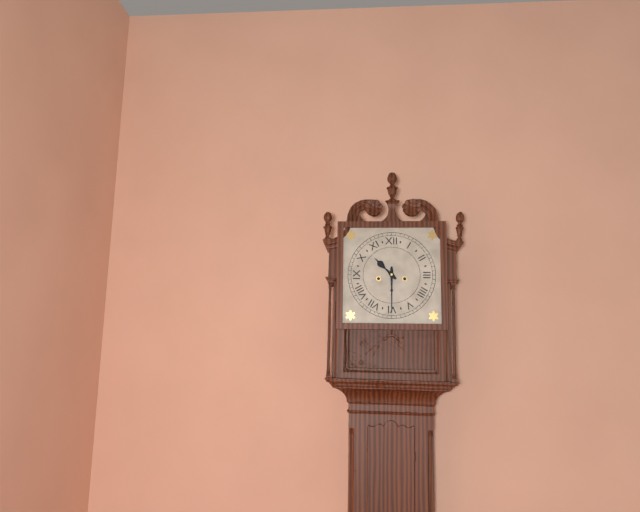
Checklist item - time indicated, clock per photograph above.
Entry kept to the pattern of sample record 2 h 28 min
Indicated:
10 h 30 min
